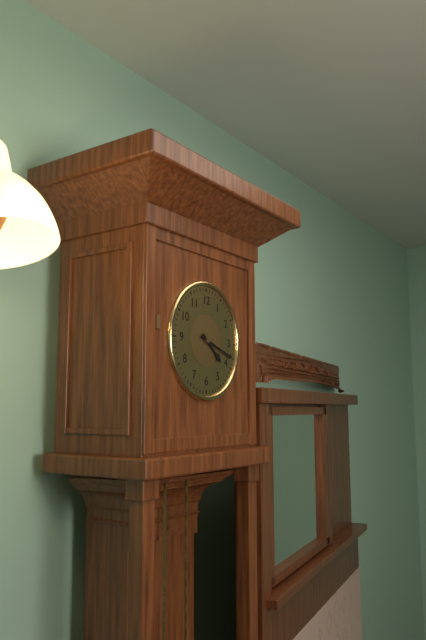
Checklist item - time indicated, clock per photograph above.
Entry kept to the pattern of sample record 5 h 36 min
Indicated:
4 h 18 min
